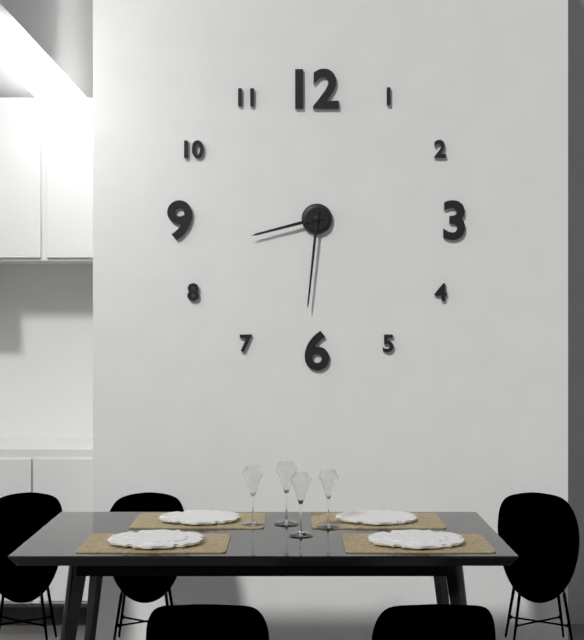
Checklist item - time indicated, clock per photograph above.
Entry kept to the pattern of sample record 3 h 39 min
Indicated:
8 h 31 min
